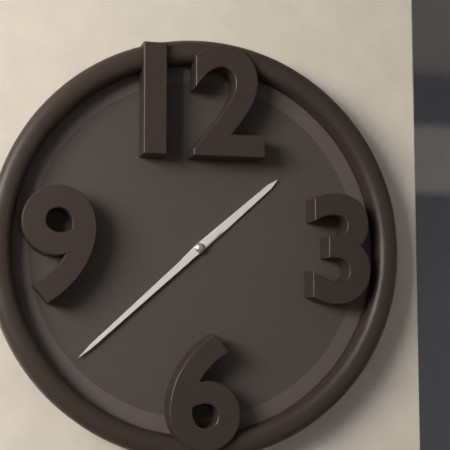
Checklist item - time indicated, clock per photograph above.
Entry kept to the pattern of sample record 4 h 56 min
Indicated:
1 h 38 min
